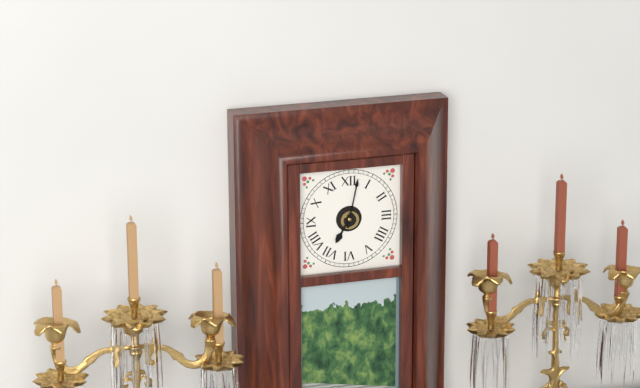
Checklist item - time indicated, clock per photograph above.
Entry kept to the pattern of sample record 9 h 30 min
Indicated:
7 h 02 min
